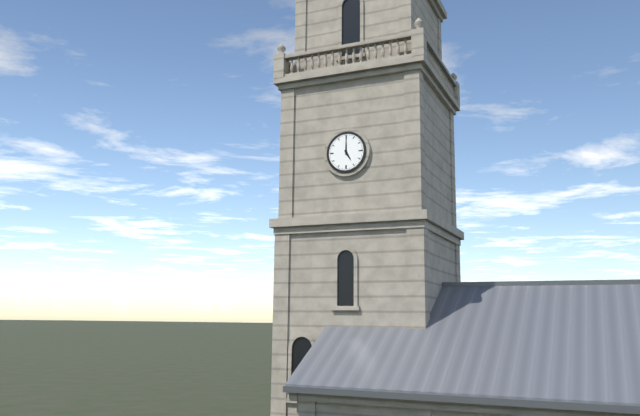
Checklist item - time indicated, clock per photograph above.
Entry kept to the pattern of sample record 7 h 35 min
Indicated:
5 h 00 min
